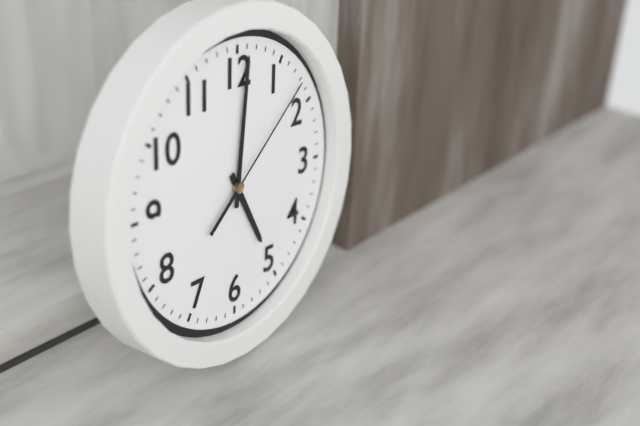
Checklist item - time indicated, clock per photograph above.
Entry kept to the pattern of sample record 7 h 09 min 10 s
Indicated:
5 h 01 min 08 s
